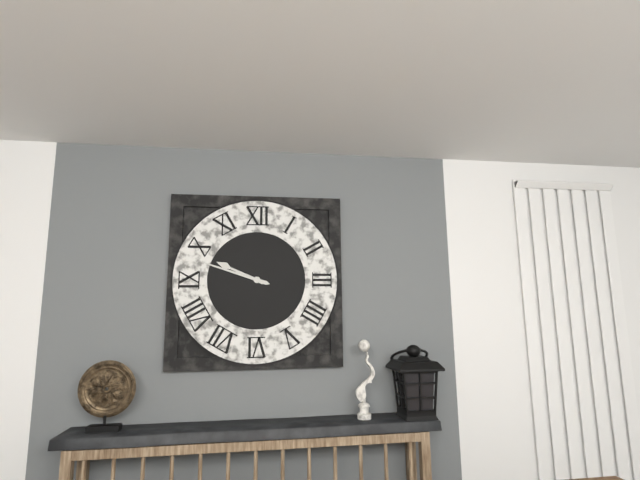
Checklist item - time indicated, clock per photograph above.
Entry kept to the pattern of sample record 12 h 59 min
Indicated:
9 h 48 min
